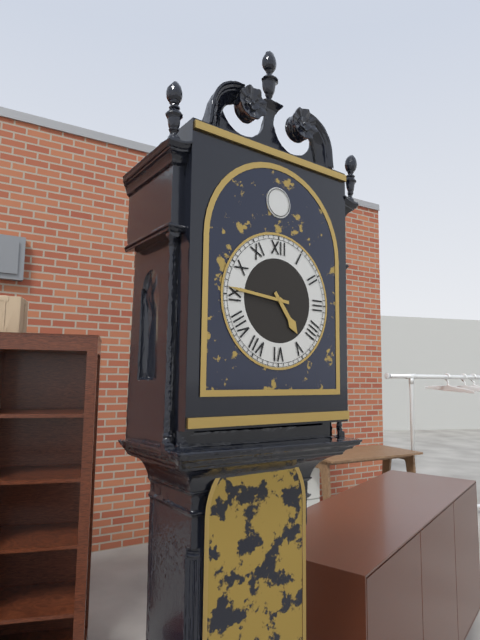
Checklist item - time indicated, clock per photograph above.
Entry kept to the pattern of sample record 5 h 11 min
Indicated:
4 h 46 min
